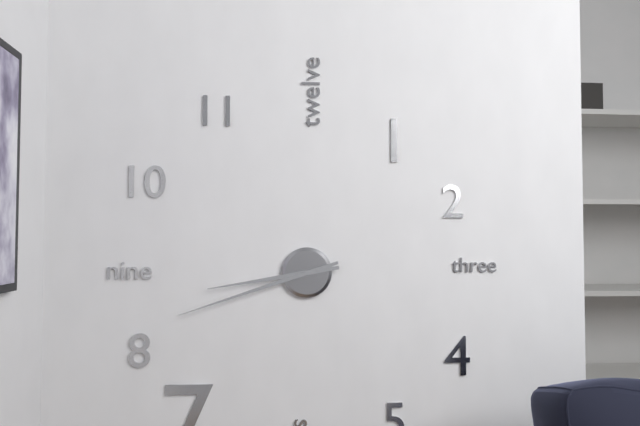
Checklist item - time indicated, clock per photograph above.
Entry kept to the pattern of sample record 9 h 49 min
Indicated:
8 h 42 min
